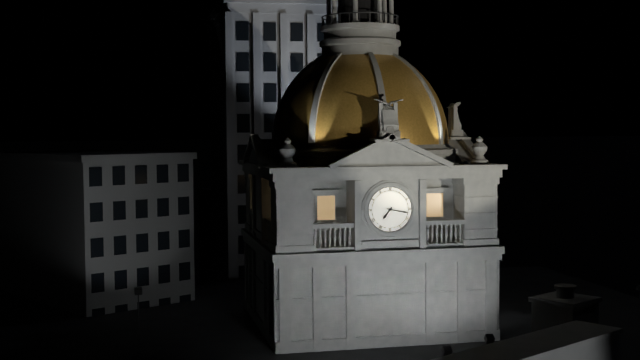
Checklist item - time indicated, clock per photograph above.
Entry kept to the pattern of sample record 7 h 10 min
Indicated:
7 h 17 min
